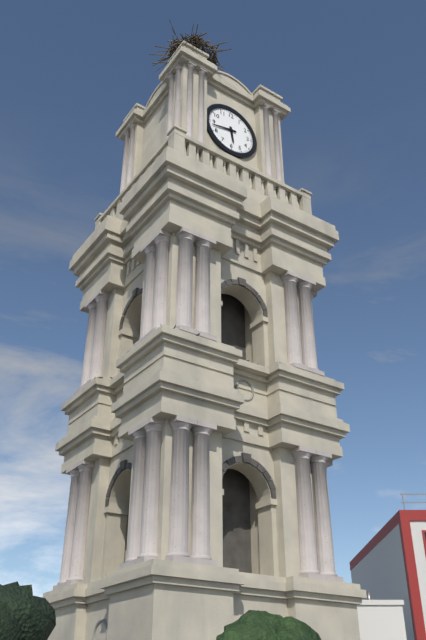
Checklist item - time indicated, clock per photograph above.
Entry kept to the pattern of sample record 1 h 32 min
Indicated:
5 h 43 min
